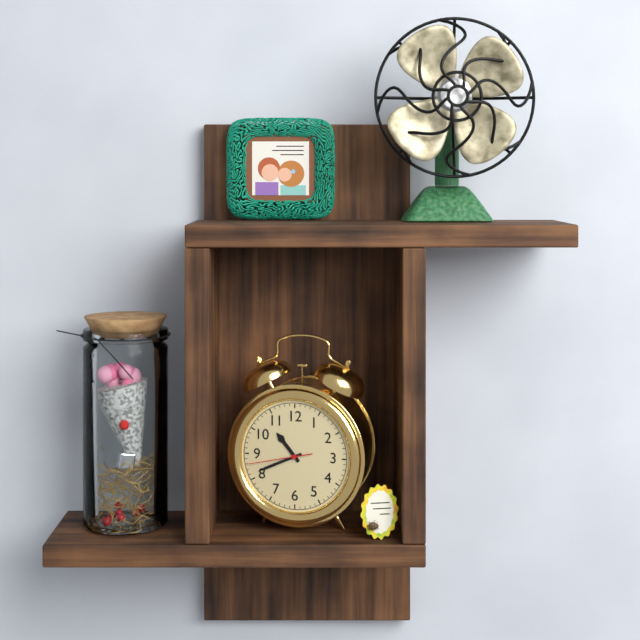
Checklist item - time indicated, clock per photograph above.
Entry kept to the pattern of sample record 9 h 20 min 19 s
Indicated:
10 h 41 min 43 s
